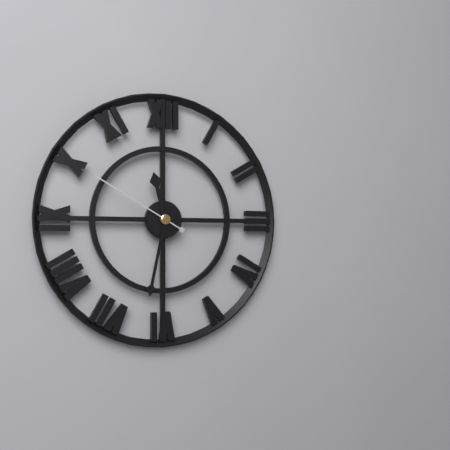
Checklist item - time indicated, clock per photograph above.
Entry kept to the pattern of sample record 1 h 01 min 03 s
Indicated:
11 h 32 min 50 s
